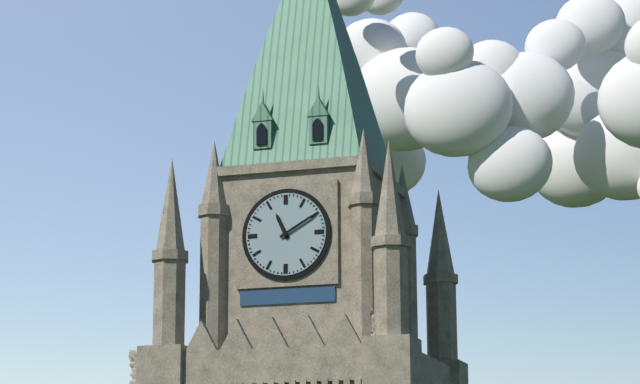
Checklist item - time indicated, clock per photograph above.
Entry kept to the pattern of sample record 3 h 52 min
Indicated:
11 h 10 min
